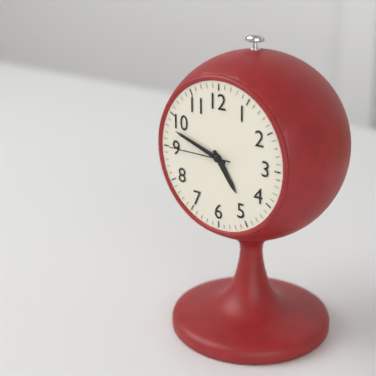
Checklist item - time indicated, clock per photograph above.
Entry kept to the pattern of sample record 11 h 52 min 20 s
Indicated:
4 h 48 min 45 s
